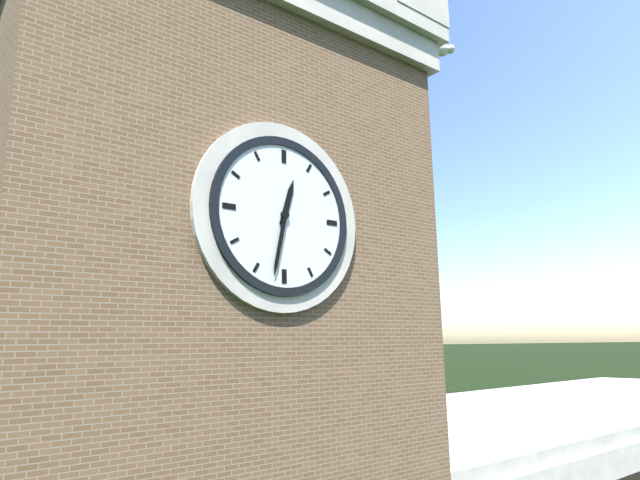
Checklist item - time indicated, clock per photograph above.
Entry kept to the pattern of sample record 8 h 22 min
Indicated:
12 h 32 min
